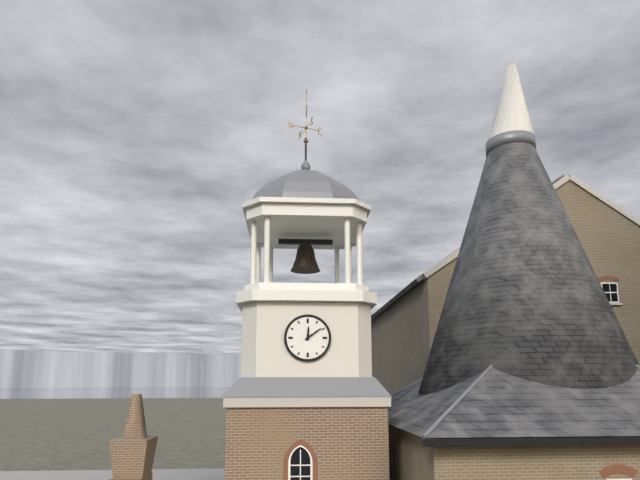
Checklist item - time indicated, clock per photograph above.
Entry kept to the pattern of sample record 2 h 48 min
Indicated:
12 h 09 min
